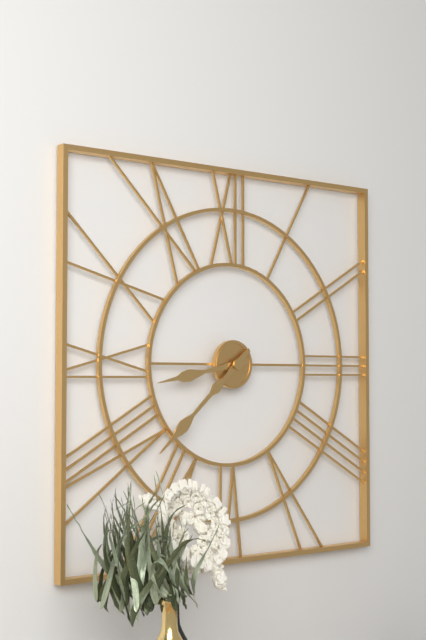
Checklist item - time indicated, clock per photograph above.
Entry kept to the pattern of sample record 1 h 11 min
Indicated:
8 h 38 min
